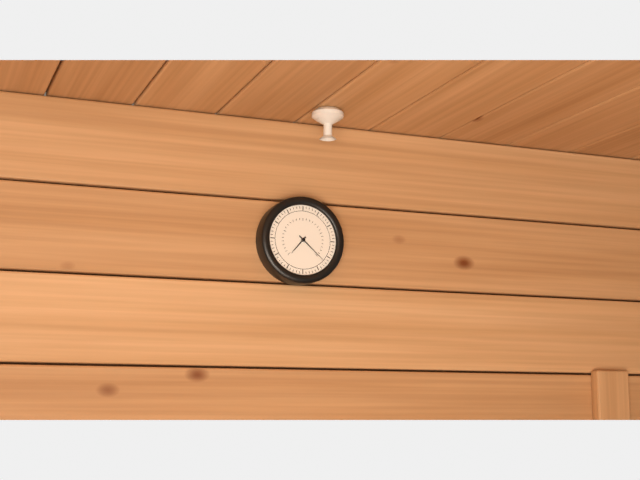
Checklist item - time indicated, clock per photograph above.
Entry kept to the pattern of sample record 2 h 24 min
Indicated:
7 h 22 min
